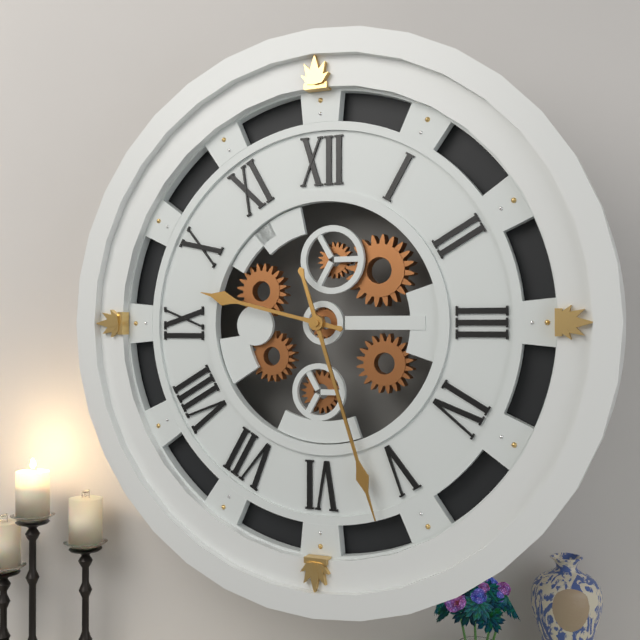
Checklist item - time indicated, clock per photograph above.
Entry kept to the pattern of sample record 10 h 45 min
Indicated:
9 h 27 min
